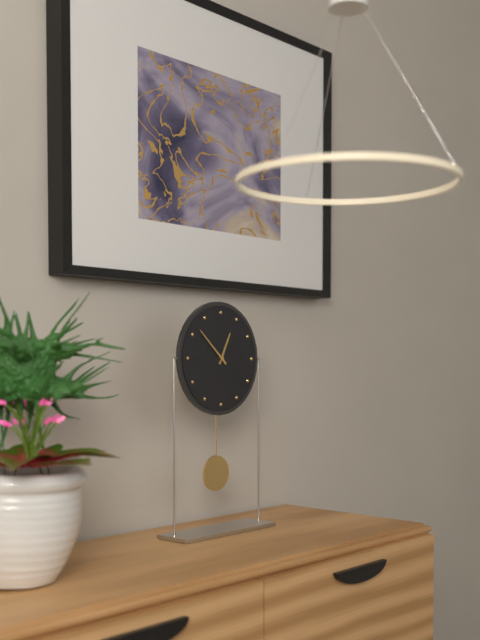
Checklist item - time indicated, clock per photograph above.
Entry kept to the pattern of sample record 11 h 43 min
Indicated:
12 h 52 min
